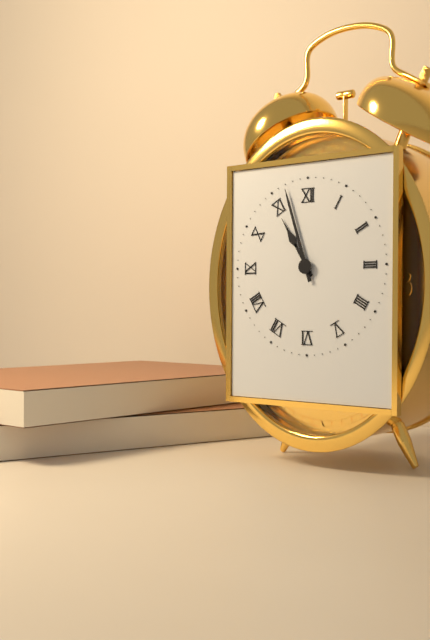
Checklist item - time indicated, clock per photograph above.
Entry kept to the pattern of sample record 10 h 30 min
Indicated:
10 h 57 min
